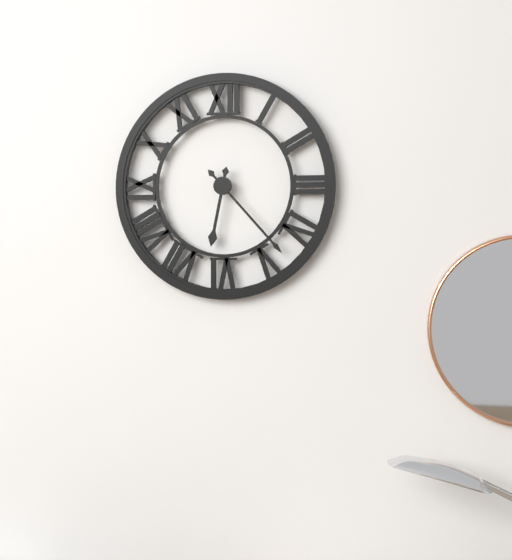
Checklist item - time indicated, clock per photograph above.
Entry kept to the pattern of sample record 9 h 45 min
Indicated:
6 h 23 min
